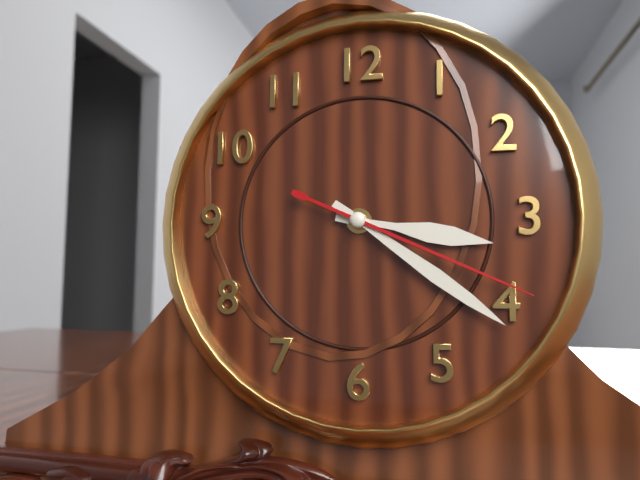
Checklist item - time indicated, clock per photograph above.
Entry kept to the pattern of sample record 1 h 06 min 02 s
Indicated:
3 h 21 min 19 s
